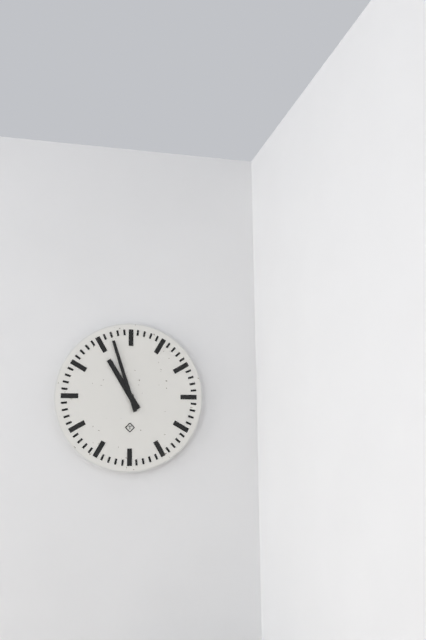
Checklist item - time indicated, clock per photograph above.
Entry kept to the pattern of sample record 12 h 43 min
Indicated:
10 h 57 min
